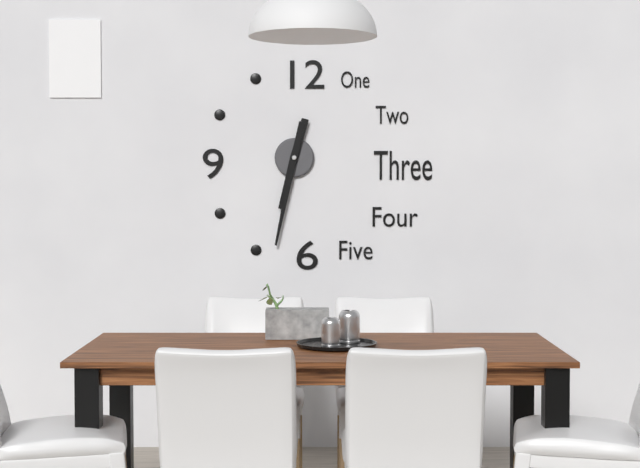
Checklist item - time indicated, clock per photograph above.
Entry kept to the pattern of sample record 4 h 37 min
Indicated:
6 h 32 min
